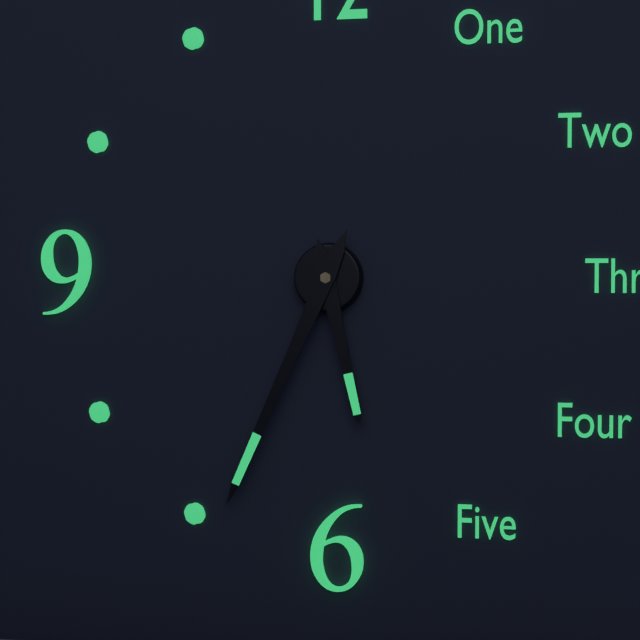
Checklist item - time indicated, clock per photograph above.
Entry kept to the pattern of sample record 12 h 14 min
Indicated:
5 h 34 min
